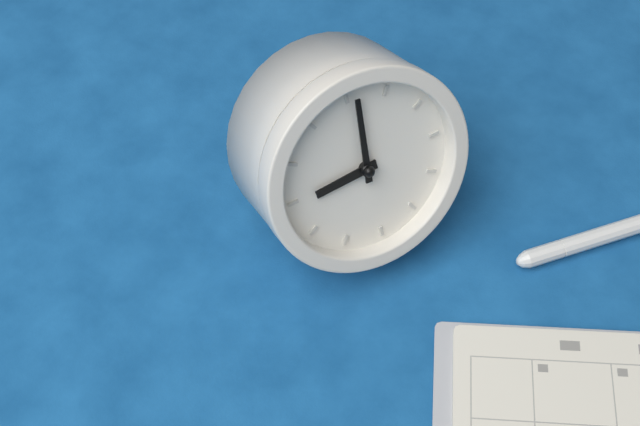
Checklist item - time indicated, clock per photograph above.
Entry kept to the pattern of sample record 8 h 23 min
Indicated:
7 h 56 min
